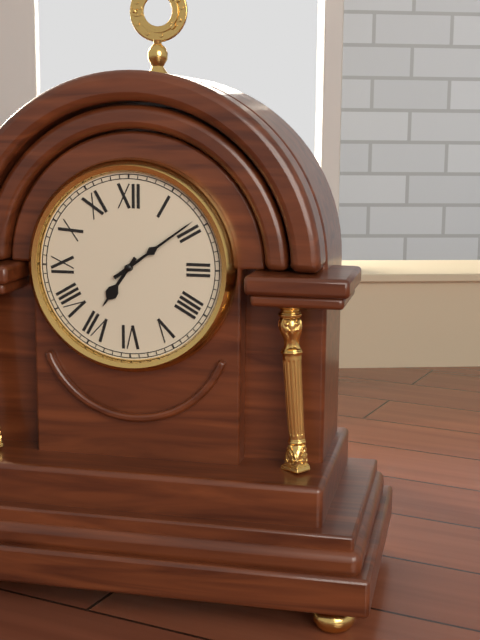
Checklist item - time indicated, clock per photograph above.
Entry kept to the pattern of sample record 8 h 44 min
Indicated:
7 h 09 min
